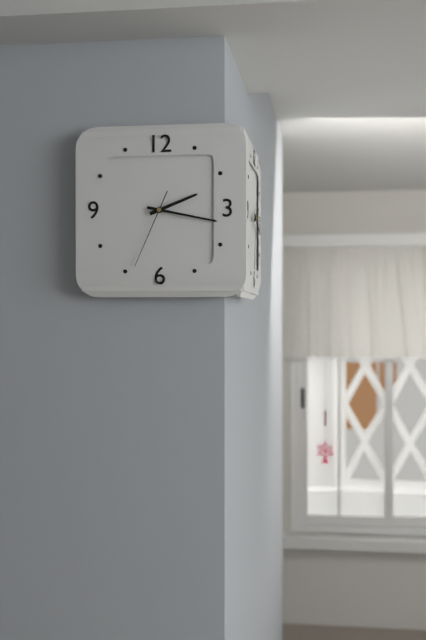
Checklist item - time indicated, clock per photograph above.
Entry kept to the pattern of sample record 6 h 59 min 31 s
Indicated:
2 h 17 min 34 s
